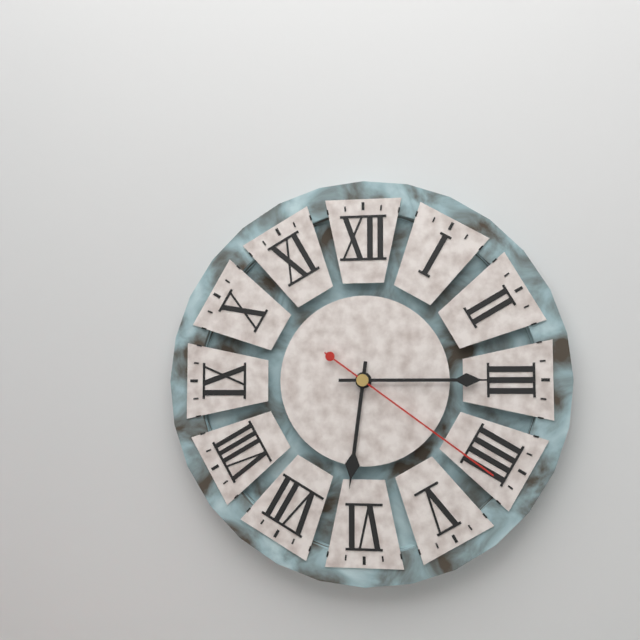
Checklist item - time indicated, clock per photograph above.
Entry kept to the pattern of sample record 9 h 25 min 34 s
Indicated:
6 h 15 min 21 s
